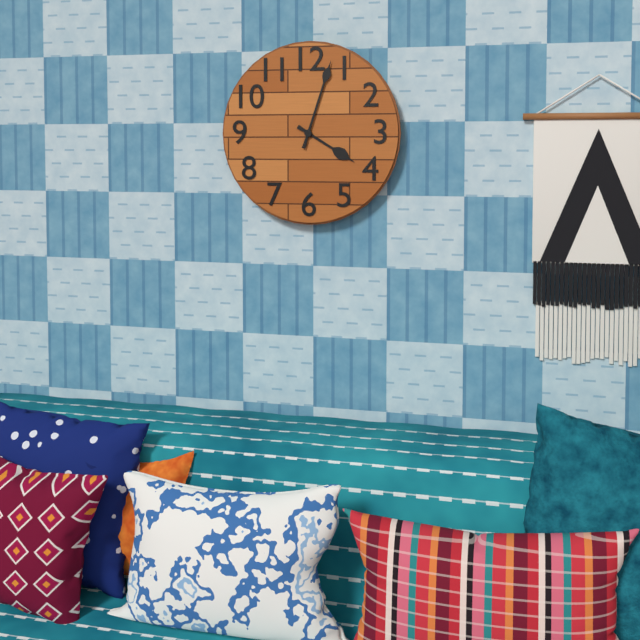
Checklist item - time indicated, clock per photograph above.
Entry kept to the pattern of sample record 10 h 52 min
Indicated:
4 h 03 min
